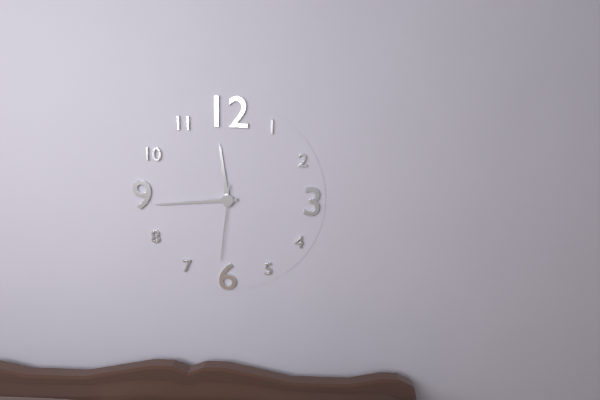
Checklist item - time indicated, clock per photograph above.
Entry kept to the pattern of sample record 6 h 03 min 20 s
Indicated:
11 h 44 min 31 s
